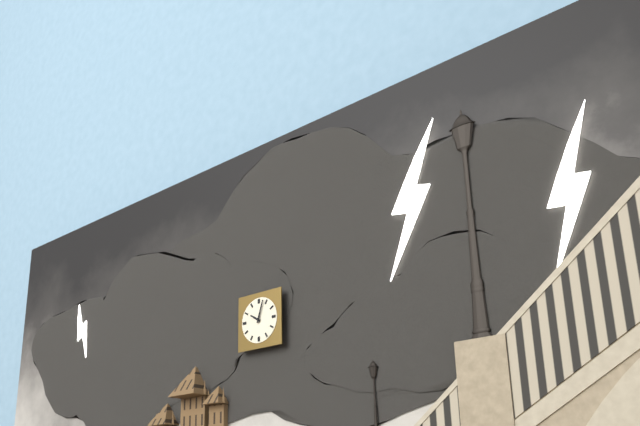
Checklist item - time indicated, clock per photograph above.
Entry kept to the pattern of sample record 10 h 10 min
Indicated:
10 h 03 min
